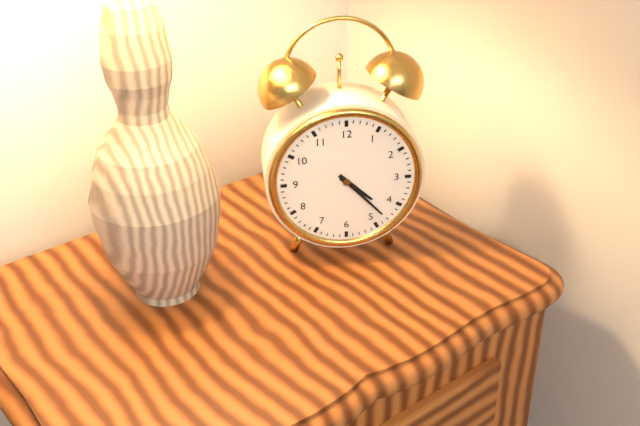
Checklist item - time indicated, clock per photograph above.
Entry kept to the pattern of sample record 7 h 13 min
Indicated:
4 h 23 min
